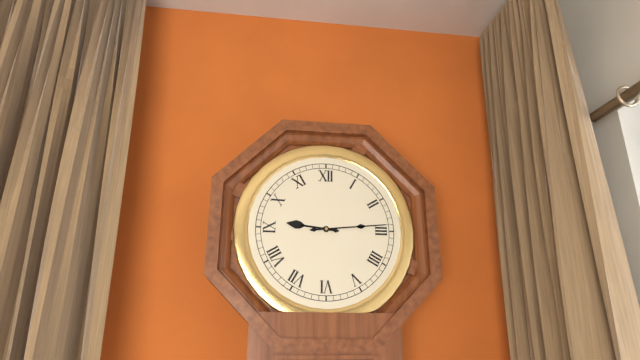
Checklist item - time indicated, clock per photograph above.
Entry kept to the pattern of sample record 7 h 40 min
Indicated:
9 h 14 min
